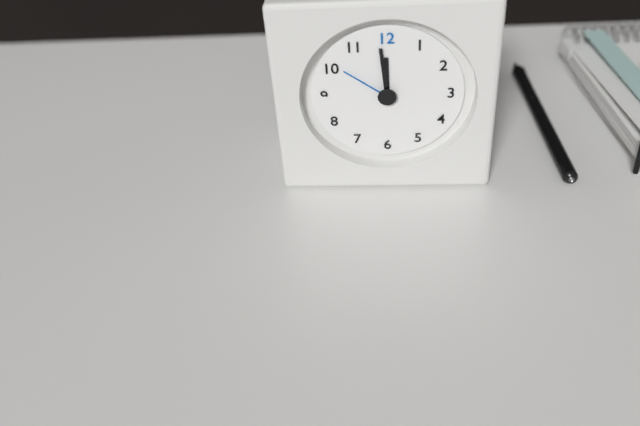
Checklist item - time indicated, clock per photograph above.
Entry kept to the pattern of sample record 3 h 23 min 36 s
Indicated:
11 h 59 min 51 s
